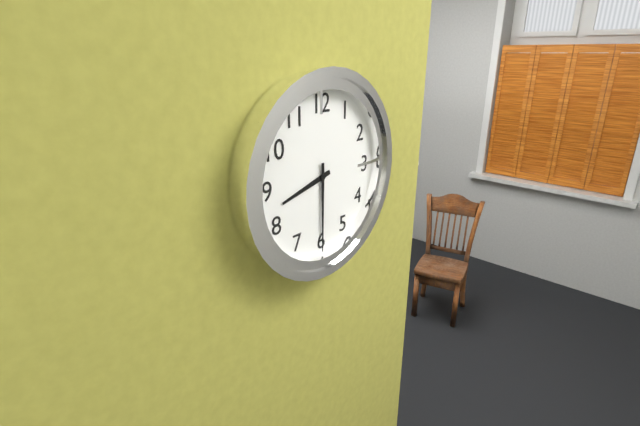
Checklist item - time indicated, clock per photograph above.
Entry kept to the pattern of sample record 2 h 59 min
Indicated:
8 h 30 min
